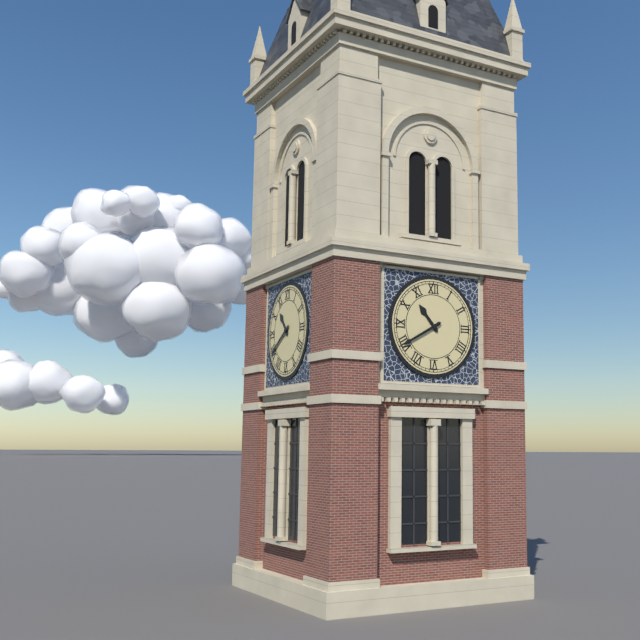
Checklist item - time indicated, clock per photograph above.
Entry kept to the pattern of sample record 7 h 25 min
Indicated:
10 h 40 min
